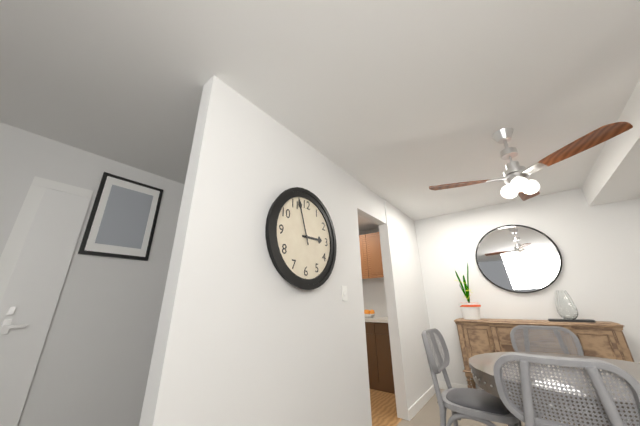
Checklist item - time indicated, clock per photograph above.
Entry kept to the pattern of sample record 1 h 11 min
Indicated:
2 h 57 min
